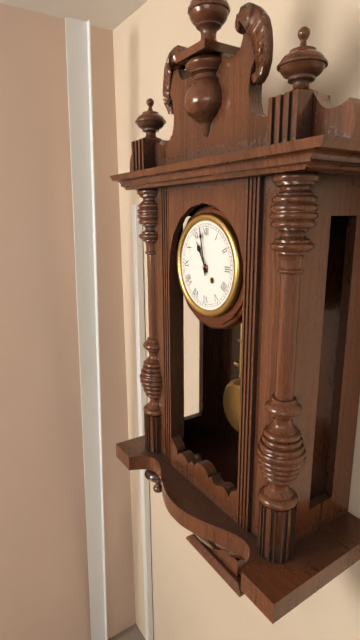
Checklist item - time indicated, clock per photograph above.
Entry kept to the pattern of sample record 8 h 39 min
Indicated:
10 h 58 min
